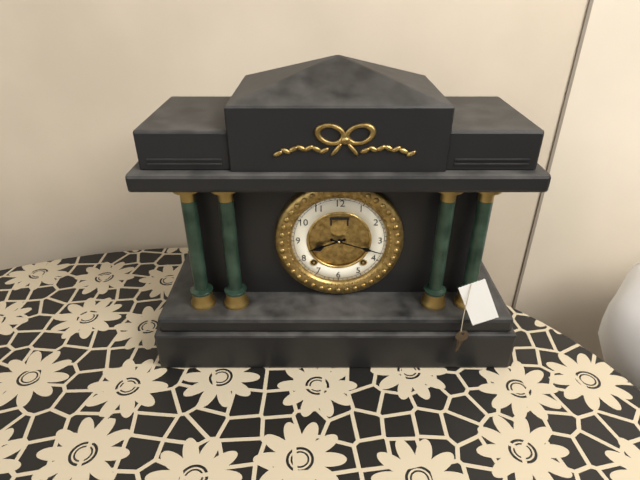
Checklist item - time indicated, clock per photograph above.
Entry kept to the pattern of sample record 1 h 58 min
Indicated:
8 h 18 min
